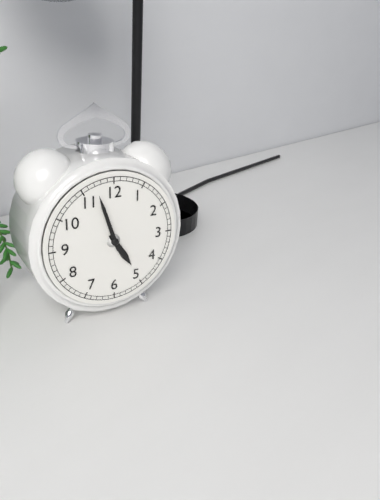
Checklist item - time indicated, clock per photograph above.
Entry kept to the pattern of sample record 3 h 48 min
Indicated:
4 h 57 min
